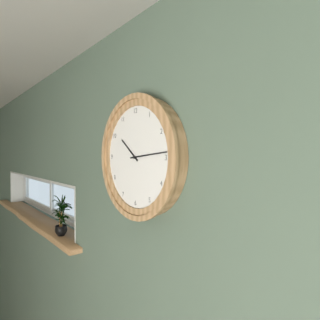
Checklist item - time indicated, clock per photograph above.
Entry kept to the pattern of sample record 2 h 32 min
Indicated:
10 h 14 min
